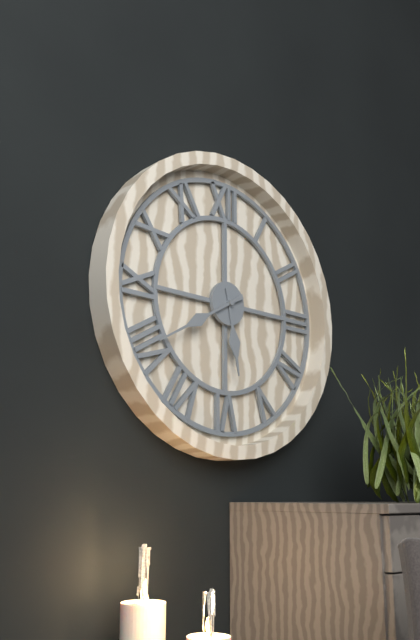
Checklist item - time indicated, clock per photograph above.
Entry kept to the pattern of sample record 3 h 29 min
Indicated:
5 h 40 min
